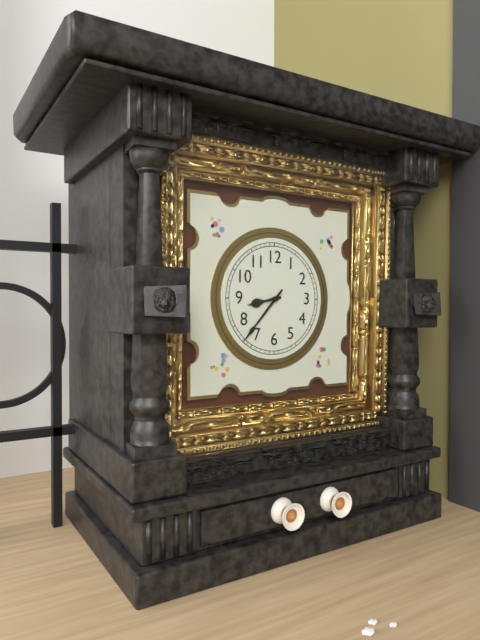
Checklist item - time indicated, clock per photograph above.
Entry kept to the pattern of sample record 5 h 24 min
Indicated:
8 h 37 min
